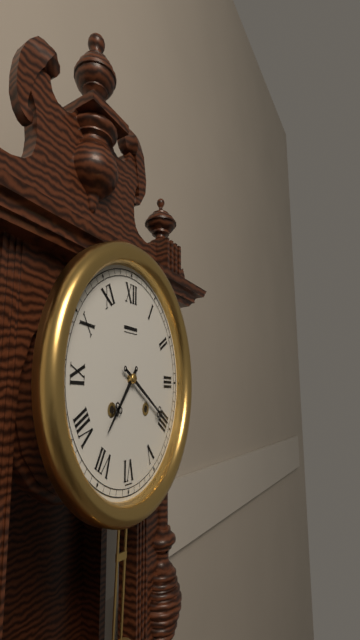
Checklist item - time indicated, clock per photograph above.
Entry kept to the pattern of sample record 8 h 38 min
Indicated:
7 h 20 min
